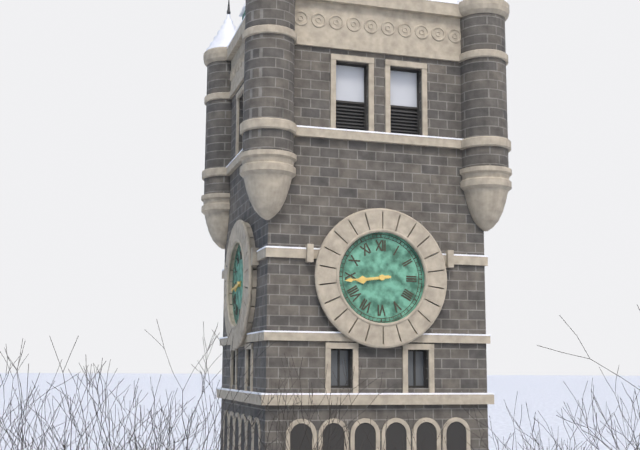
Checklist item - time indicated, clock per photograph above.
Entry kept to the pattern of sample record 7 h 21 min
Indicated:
8 h 44 min
